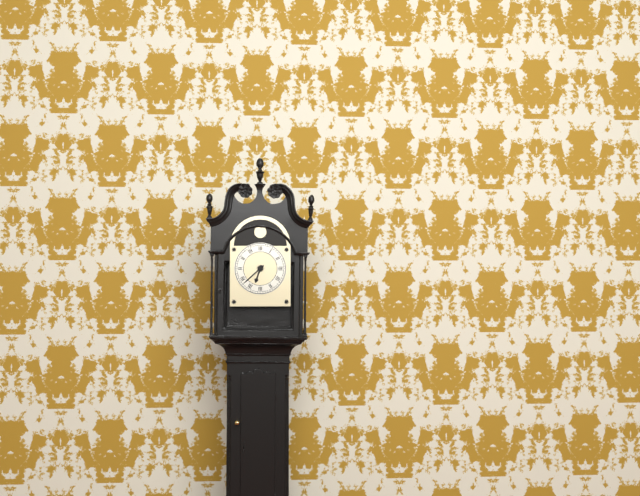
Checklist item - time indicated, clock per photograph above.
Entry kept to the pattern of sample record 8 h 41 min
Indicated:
6 h 38 min
